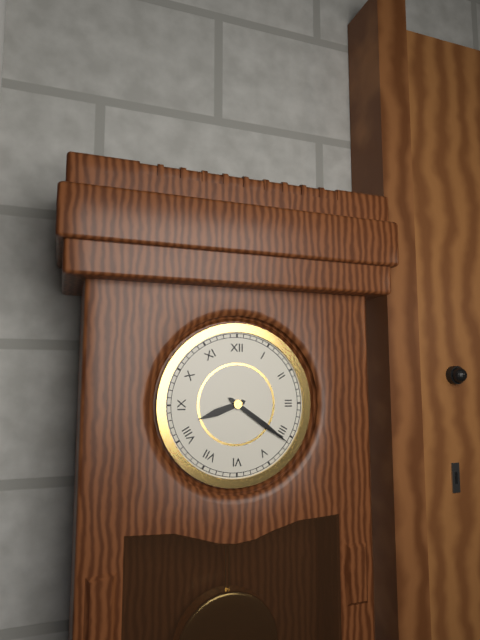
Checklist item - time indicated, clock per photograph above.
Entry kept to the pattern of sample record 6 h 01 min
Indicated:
8 h 21 min
